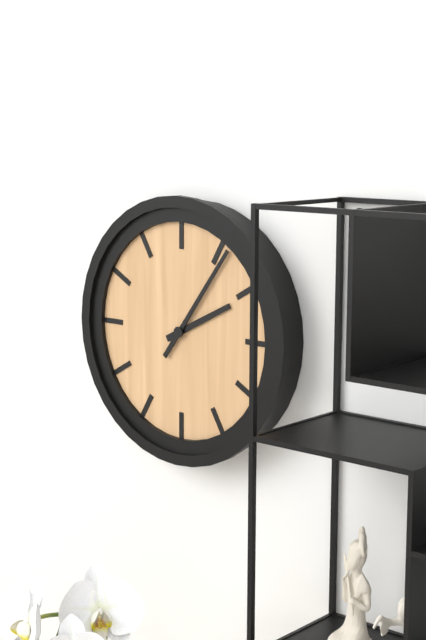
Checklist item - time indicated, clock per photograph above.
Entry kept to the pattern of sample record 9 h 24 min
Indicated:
2 h 06 min
